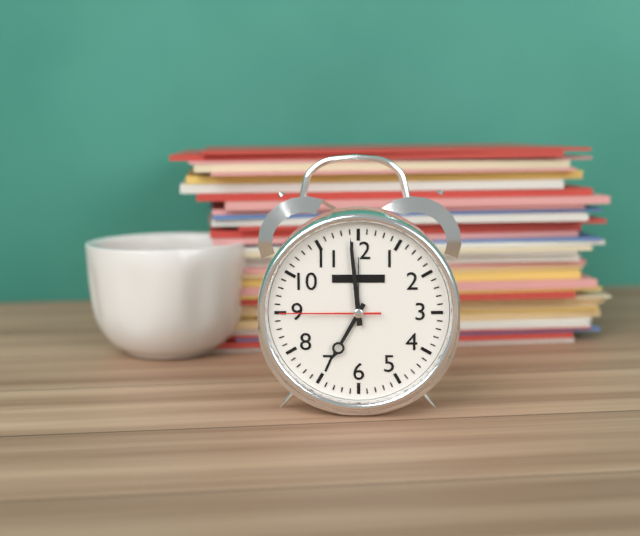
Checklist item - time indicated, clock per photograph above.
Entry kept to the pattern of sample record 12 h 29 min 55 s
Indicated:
6 h 59 min 45 s
